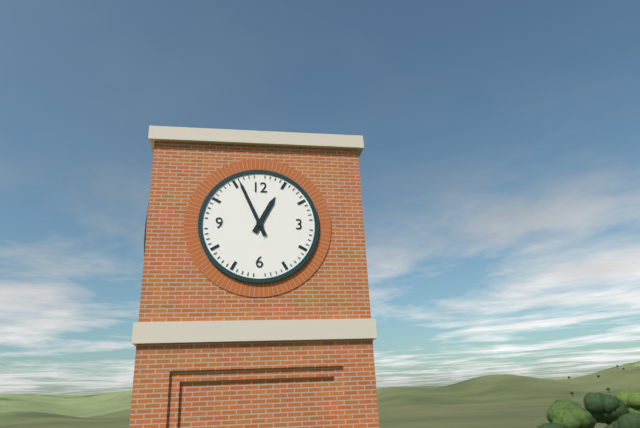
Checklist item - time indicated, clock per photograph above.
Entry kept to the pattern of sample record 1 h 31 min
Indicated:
12 h 56 min
